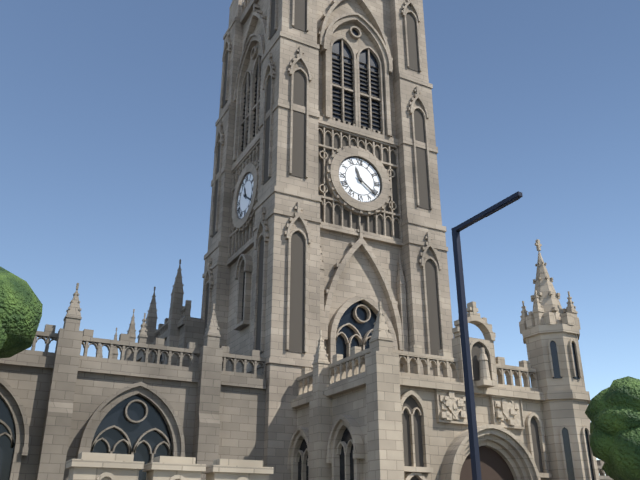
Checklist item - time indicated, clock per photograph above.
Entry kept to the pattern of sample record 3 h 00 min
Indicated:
11 h 21 min
